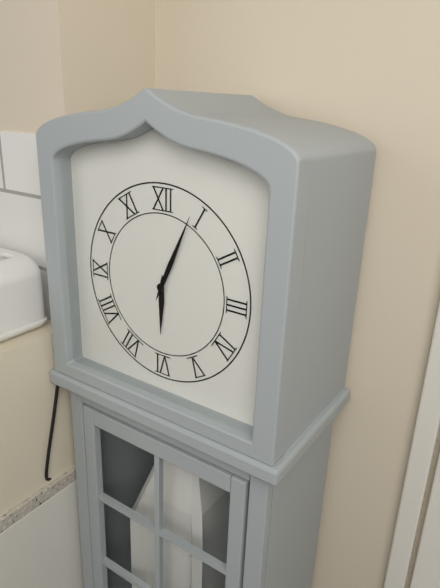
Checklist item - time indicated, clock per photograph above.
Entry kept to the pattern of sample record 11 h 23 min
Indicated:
6 h 04 min
